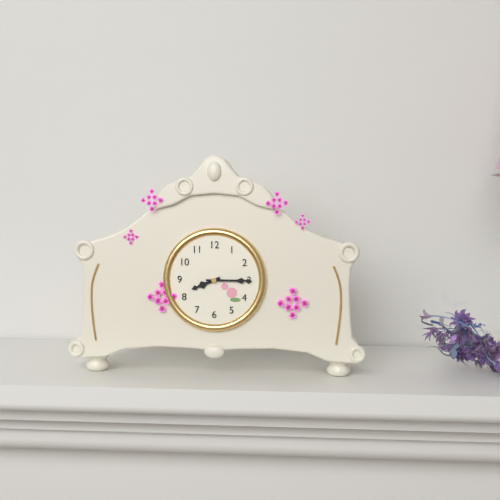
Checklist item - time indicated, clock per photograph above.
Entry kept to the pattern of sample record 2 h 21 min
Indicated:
8 h 15 min
